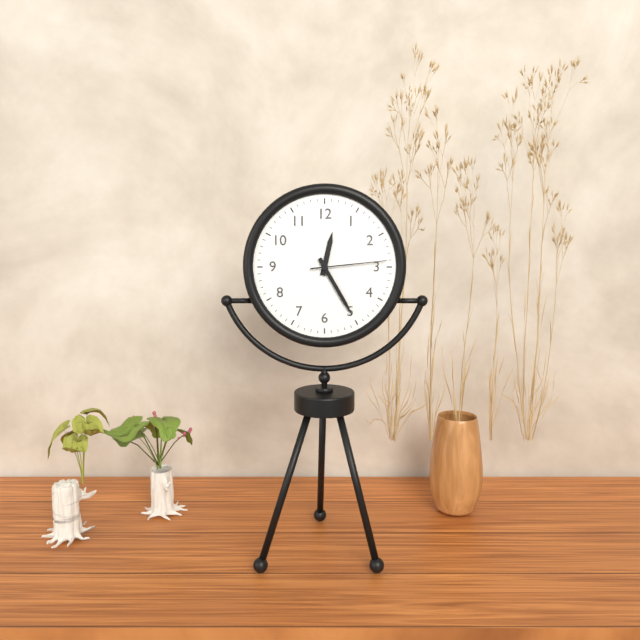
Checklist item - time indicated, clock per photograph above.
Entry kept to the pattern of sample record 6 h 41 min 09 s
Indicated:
12 h 25 min 14 s
